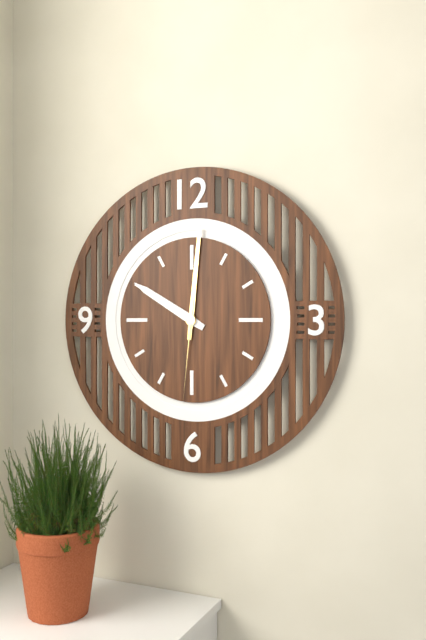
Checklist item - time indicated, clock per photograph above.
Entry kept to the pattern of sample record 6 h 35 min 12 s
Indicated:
10 h 01 min 31 s
